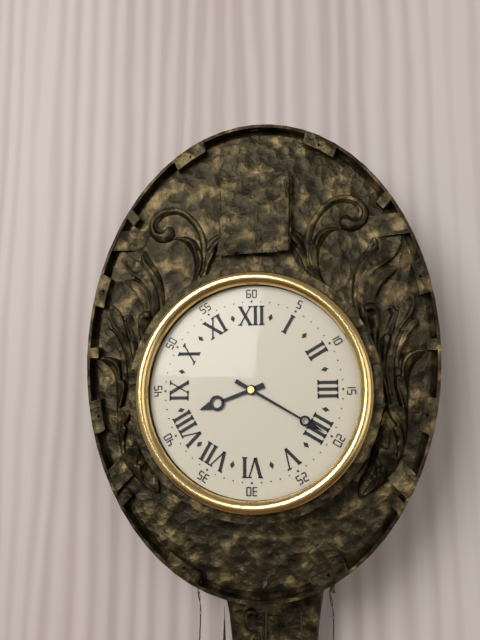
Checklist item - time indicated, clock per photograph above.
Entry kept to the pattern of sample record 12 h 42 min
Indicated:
8 h 20 min
